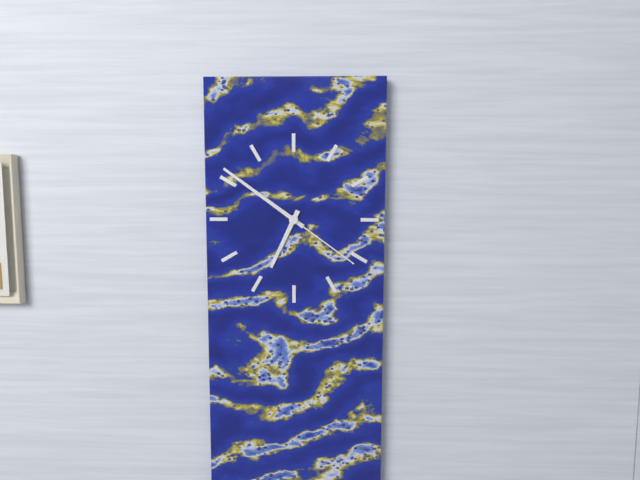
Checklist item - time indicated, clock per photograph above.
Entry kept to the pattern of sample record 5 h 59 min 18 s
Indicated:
6 h 51 min 21 s
